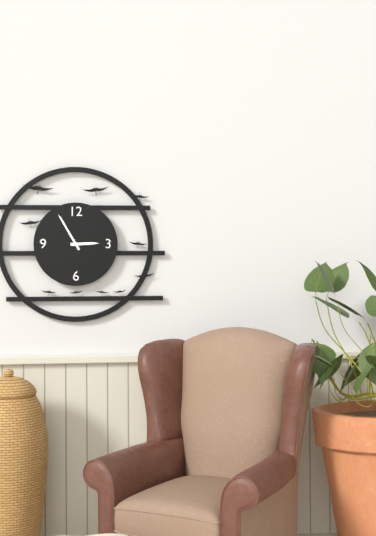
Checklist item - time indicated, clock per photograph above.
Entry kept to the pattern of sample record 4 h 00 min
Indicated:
2 h 55 min
